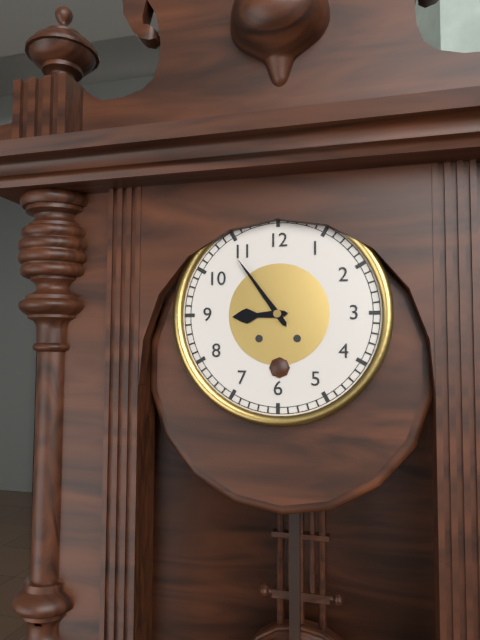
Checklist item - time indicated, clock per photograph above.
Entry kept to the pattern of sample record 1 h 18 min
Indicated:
8 h 54 min
